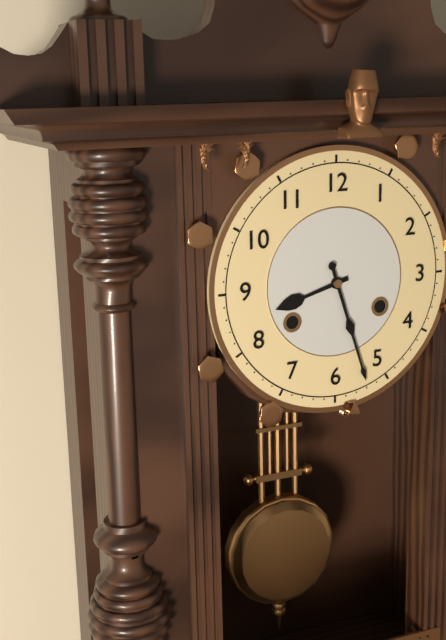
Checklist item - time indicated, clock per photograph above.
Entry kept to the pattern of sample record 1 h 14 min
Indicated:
8 h 27 min
